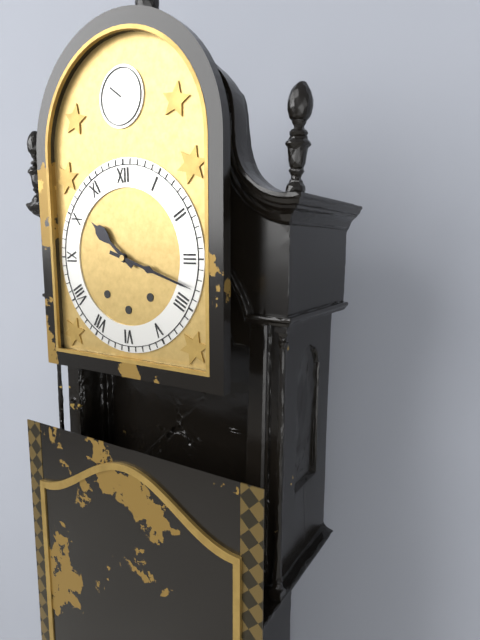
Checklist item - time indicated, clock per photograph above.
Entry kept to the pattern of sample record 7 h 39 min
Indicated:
10 h 18 min
